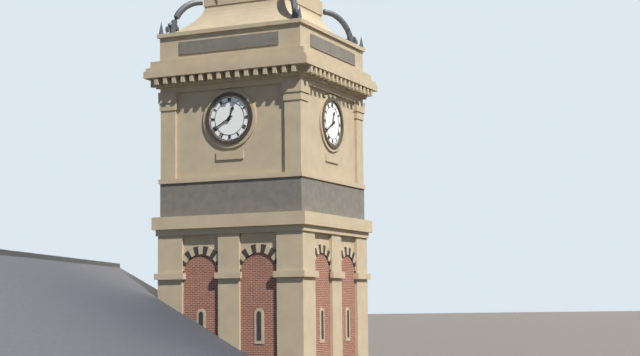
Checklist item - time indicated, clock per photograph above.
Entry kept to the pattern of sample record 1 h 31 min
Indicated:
12 h 40 min
